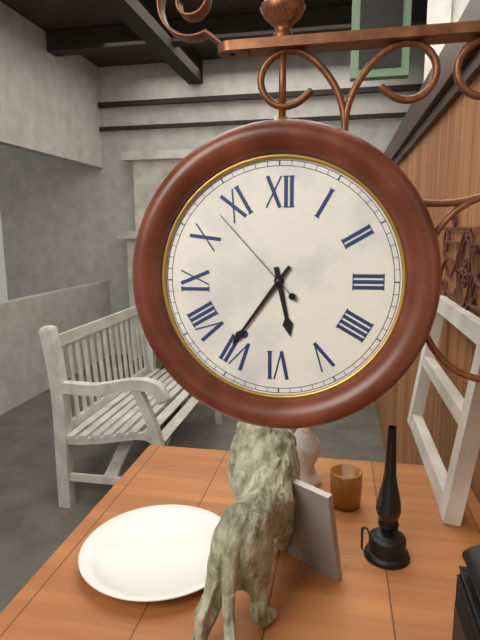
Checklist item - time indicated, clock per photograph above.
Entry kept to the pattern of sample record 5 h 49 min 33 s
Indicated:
5 h 36 min 53 s
